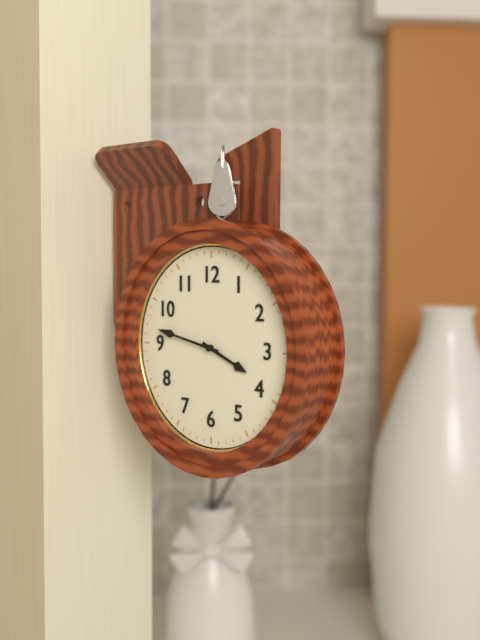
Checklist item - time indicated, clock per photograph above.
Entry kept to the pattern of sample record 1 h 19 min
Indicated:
3 h 47 min
